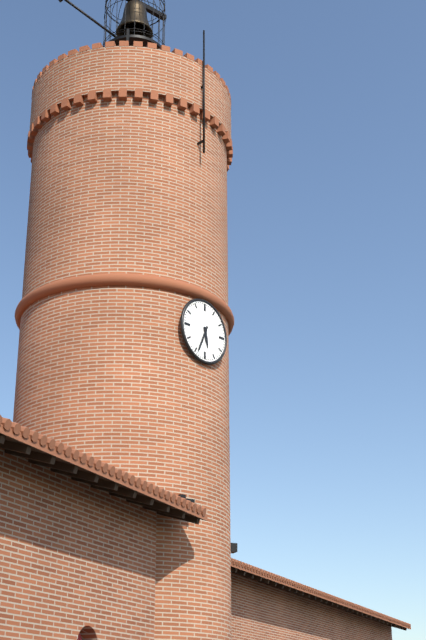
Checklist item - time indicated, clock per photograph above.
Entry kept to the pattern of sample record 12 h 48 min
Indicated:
5 h 34 min
